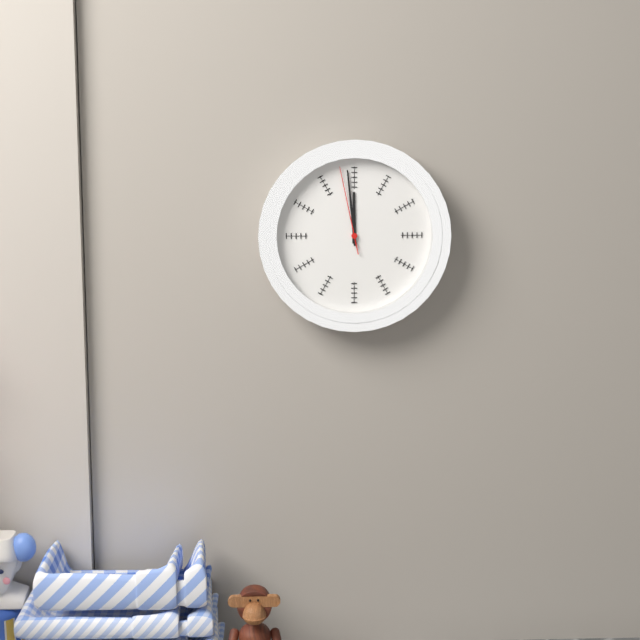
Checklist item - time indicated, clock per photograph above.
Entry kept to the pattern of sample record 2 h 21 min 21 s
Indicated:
11 h 59 min 58 s
